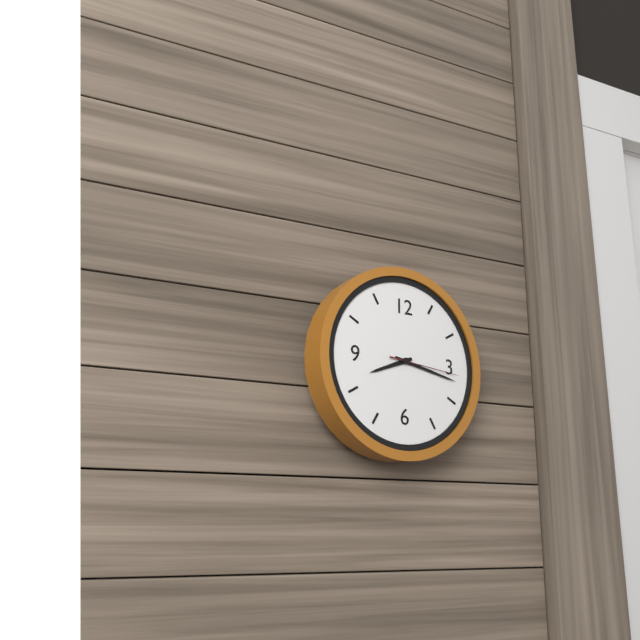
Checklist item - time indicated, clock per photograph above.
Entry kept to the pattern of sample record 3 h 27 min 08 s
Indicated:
8 h 17 min 16 s
